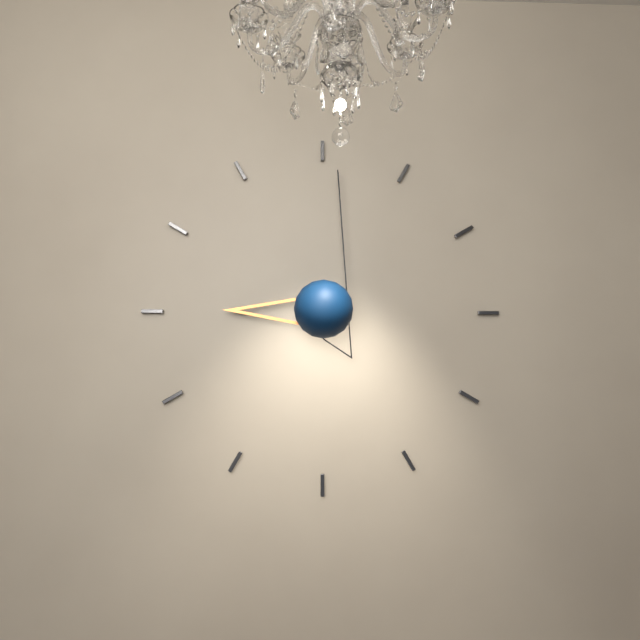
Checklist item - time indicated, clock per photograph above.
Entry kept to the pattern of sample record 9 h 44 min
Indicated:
9 h 01 min
